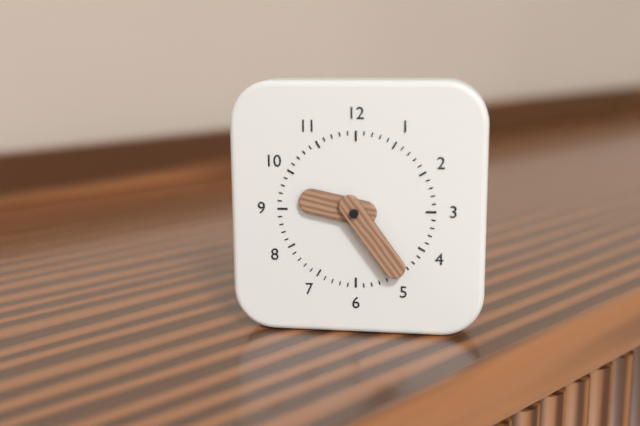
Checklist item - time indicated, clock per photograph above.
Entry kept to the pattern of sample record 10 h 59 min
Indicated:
9 h 24 min
